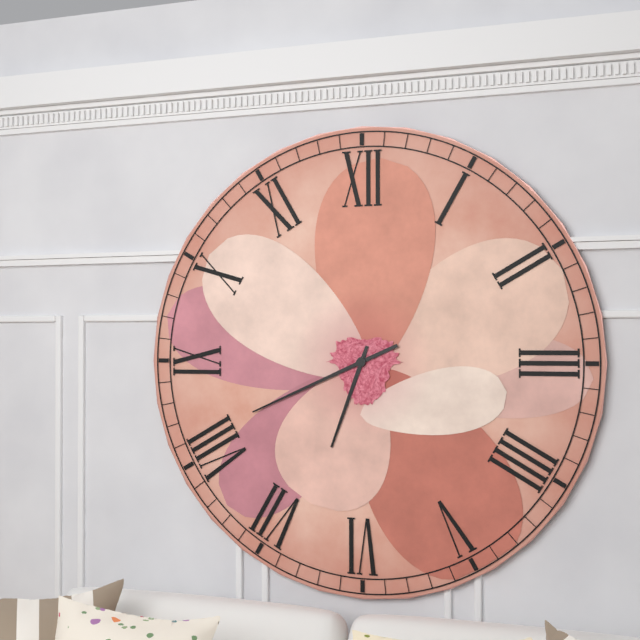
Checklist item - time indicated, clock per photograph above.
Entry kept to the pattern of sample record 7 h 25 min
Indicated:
6 h 41 min
